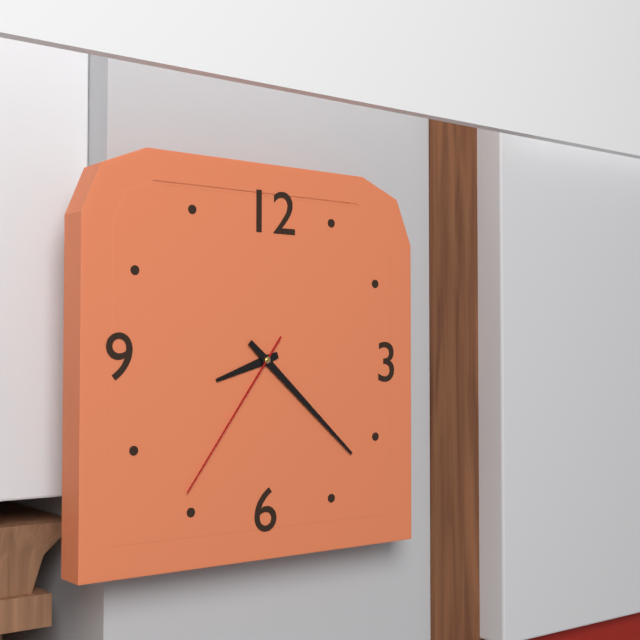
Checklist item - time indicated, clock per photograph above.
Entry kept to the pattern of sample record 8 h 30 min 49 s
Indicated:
8 h 22 min 36 s
